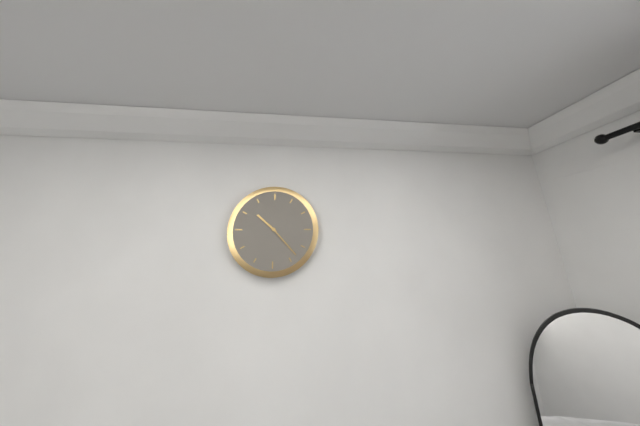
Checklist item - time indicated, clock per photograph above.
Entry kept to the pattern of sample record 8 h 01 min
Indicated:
10 h 23 min
